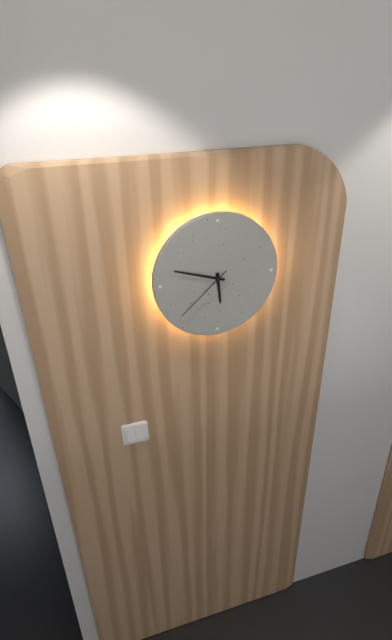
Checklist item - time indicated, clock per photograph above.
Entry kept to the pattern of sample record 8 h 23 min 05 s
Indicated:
5 h 48 min 38 s
